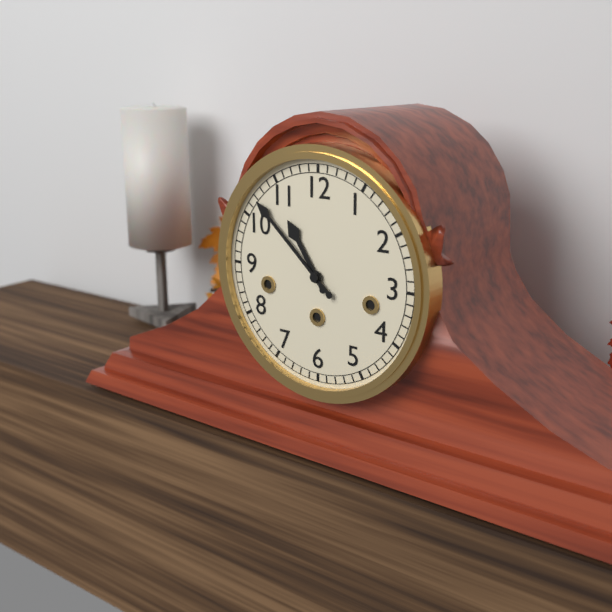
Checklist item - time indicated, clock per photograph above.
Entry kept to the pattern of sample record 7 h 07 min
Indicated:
10 h 52 min
